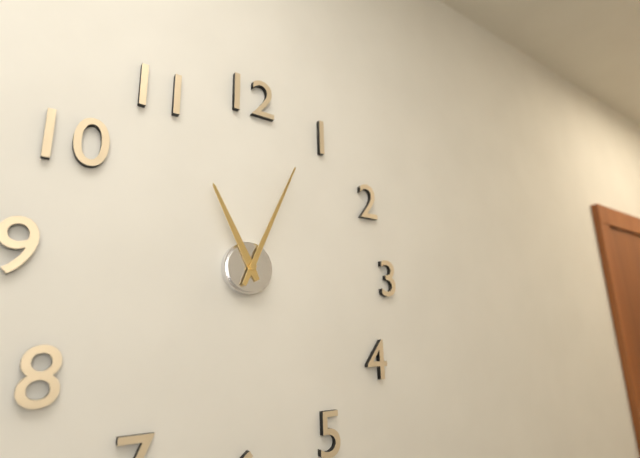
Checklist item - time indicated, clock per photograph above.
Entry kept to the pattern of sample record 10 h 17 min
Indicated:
11 h 04 min
